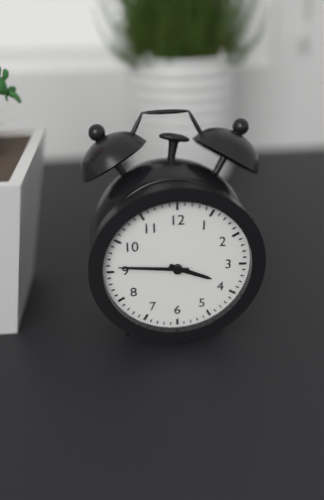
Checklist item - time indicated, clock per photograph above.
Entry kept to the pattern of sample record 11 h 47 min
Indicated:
3 h 46 min
